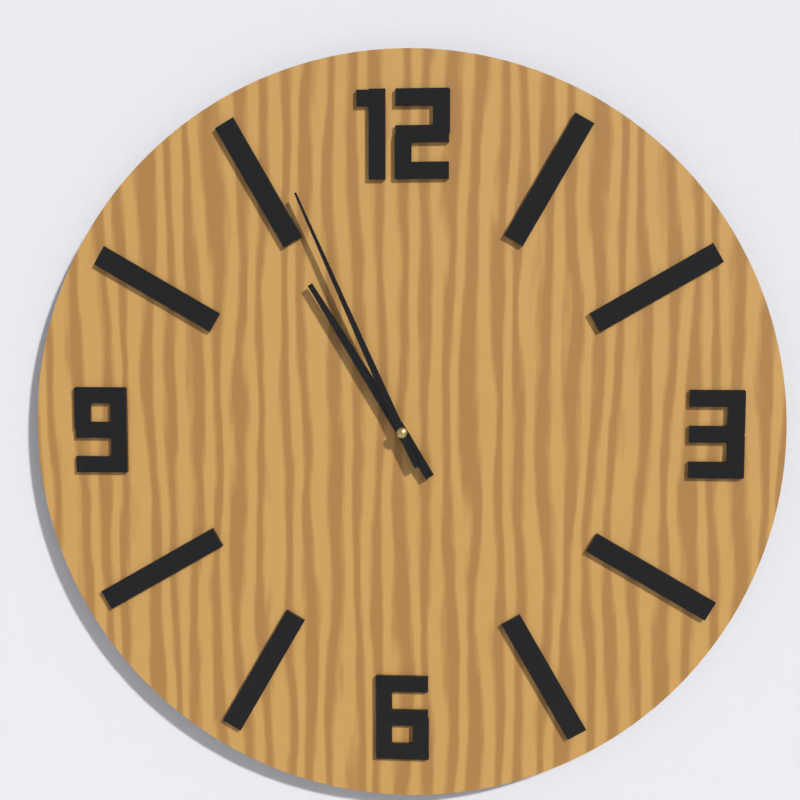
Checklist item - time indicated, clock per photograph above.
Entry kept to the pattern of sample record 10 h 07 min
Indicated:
10 h 56 min
